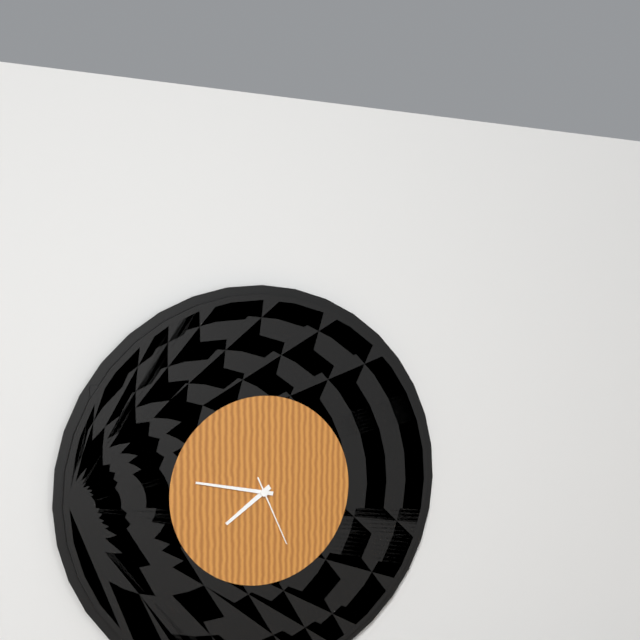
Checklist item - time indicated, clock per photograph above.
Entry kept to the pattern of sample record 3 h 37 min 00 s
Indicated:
7 h 47 min 26 s
